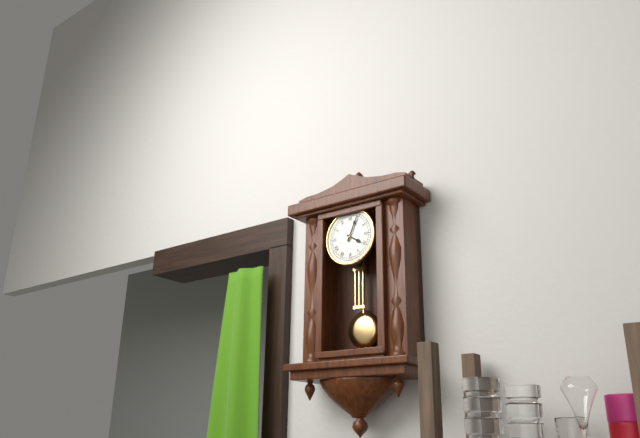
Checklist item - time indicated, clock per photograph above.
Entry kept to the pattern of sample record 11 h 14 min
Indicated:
4 h 04 min
